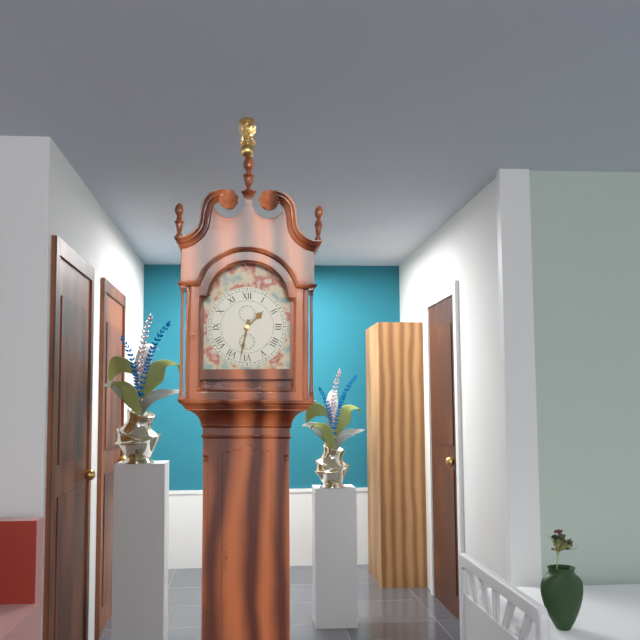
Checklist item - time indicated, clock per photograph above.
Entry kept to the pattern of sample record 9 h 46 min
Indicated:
1 h 32 min
